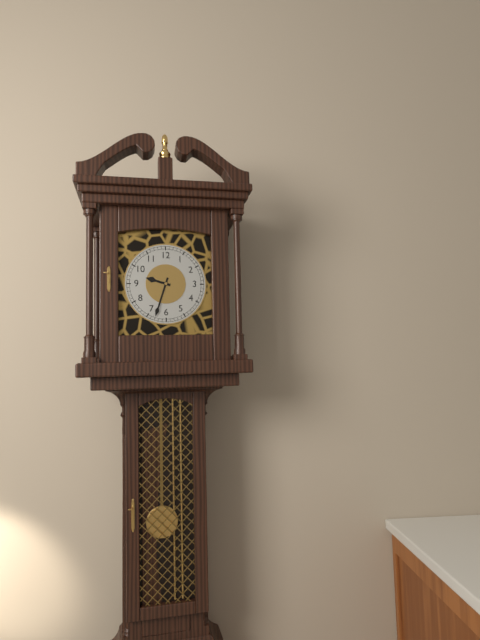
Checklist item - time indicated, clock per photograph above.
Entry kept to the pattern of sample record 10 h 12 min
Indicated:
9 h 33 min
